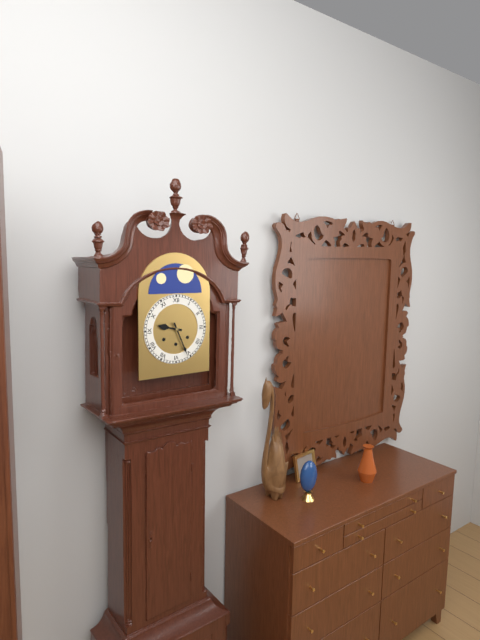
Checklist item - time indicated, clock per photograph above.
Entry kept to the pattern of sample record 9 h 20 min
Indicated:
9 h 26 min
